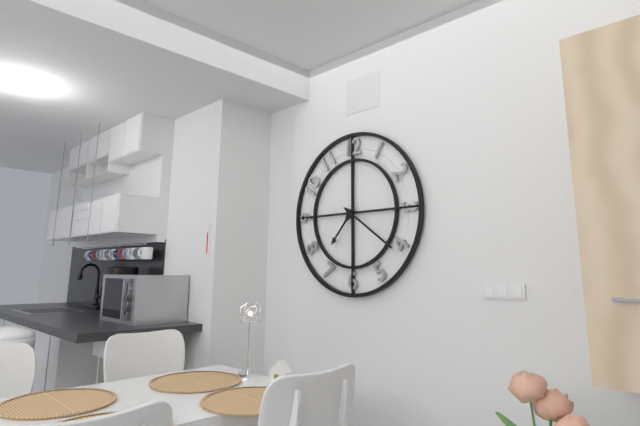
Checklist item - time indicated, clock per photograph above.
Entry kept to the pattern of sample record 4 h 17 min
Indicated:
7 h 21 min
